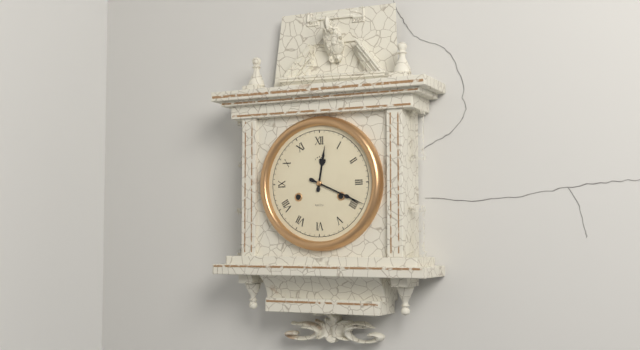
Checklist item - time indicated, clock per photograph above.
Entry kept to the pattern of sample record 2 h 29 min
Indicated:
12 h 19 min
